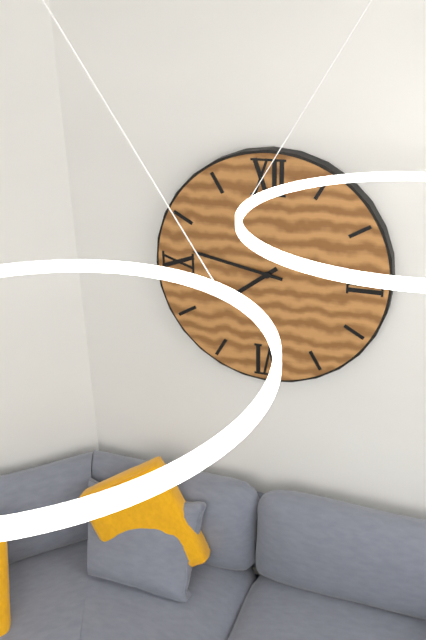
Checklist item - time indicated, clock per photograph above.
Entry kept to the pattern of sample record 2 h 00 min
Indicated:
7 h 47 min
